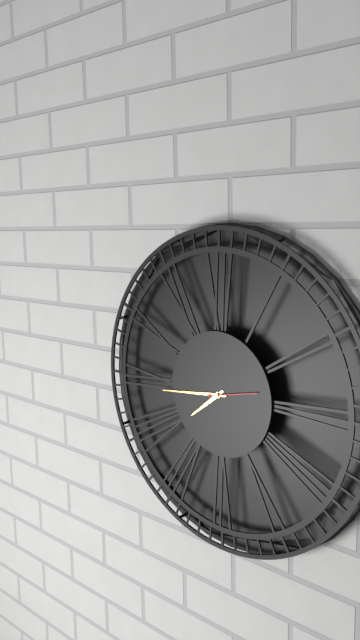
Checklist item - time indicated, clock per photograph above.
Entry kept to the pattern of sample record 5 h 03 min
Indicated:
7 h 44 min
